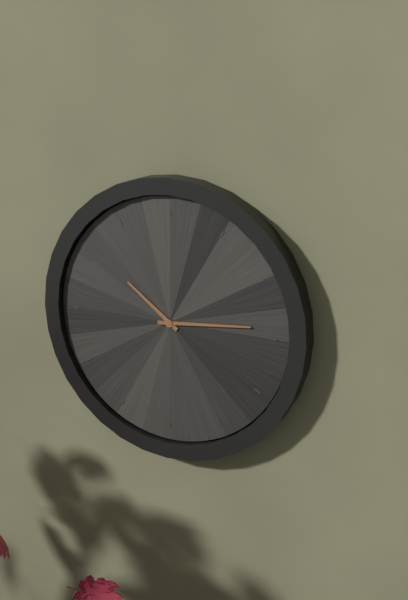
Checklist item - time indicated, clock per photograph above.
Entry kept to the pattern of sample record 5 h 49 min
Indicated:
10 h 14 min
